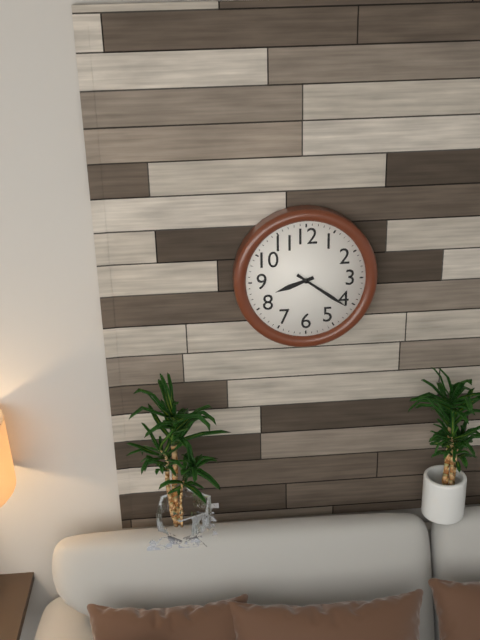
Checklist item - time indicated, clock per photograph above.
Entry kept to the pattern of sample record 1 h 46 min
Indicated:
8 h 21 min
